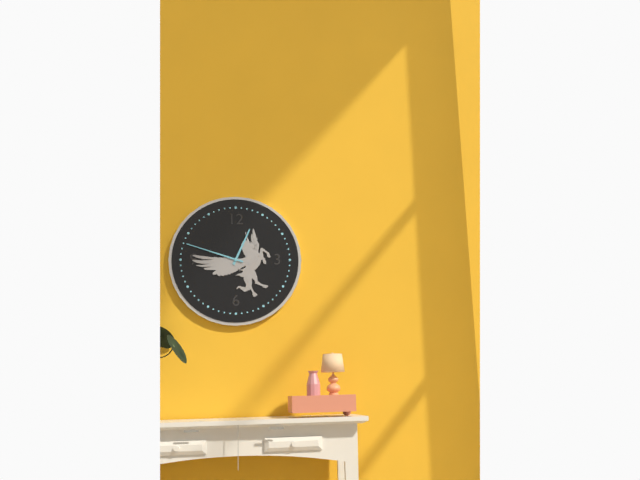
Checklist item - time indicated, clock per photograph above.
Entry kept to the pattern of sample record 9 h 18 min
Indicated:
12 h 48 min
